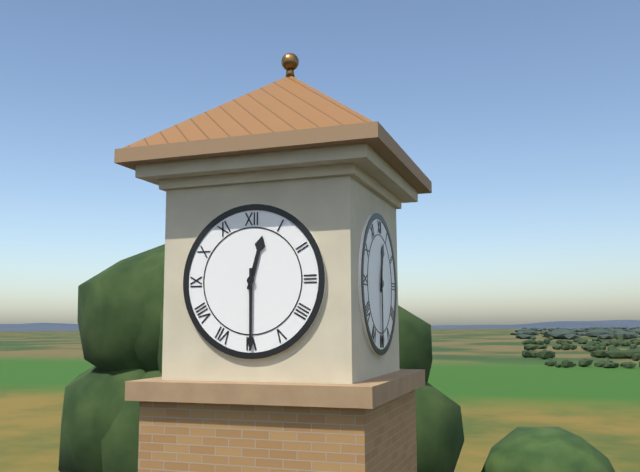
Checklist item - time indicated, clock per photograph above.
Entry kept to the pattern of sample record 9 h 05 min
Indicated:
12 h 30 min
